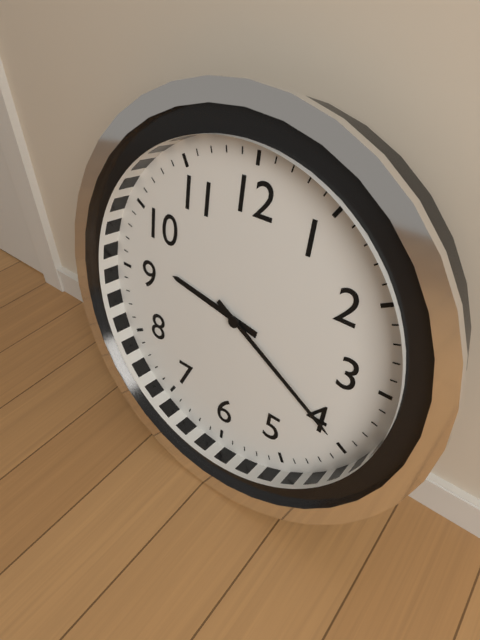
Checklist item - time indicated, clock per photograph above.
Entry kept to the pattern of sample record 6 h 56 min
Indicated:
9 h 20 min
